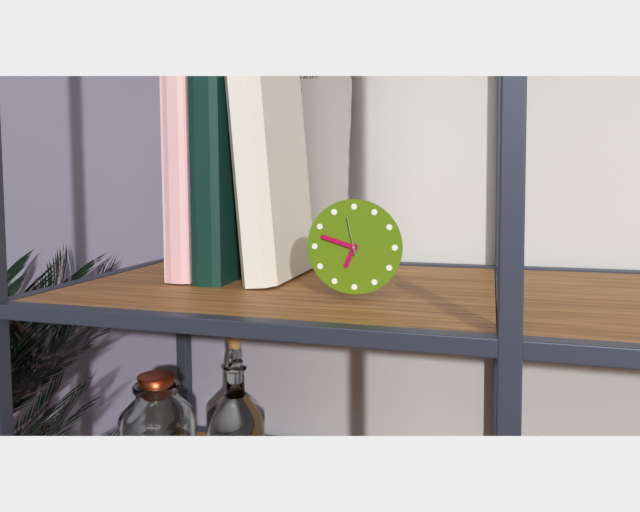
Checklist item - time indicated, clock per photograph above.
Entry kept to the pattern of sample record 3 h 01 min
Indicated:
6 h 48 min
